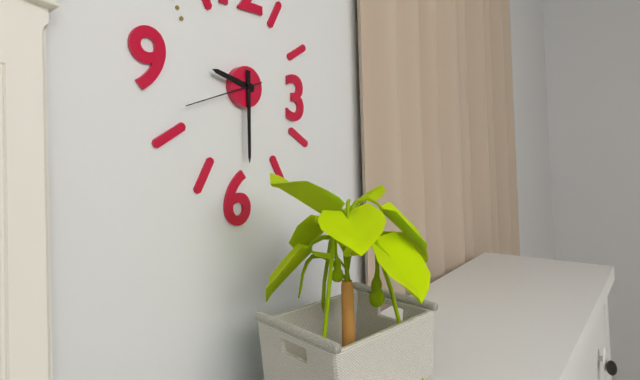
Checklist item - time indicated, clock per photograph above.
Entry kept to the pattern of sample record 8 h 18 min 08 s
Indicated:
9 h 30 min 42 s
